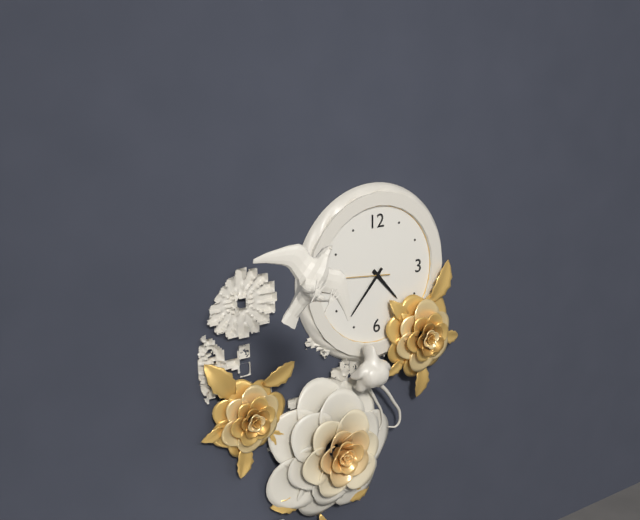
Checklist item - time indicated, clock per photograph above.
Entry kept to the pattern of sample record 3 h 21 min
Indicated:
4 h 37 min
